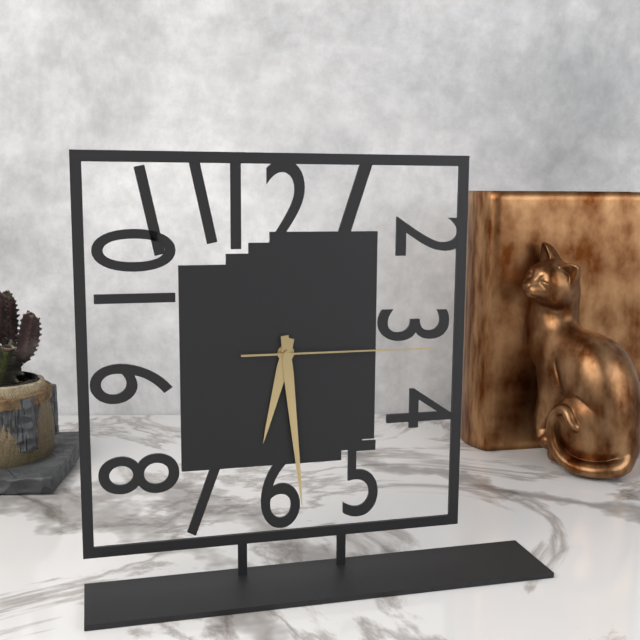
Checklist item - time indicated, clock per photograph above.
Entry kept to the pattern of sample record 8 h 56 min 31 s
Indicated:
6 h 29 min 15 s
